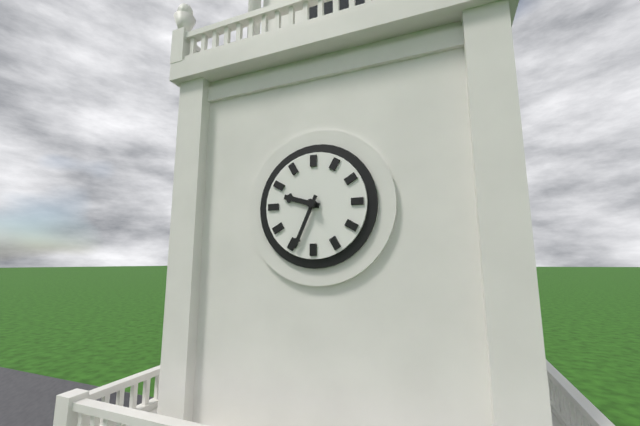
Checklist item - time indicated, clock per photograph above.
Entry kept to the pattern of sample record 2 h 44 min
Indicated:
9 h 34 min
